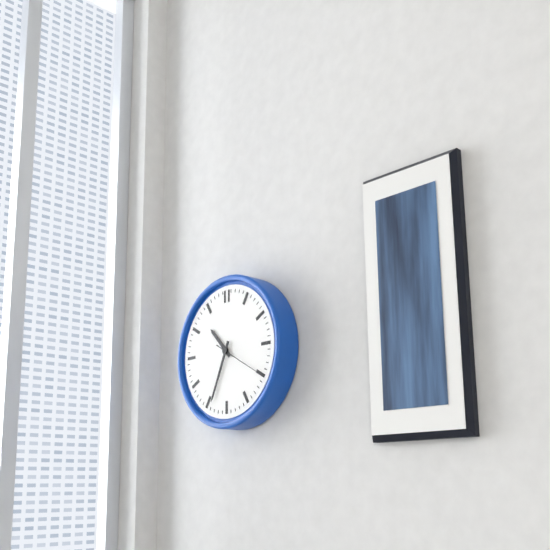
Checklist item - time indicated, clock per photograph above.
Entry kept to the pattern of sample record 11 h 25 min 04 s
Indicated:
10 h 34 min 20 s
